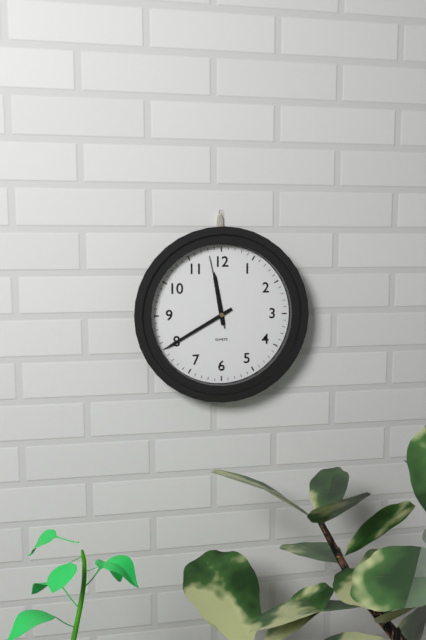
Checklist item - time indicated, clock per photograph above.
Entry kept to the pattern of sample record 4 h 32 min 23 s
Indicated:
11 h 40 min 58 s
